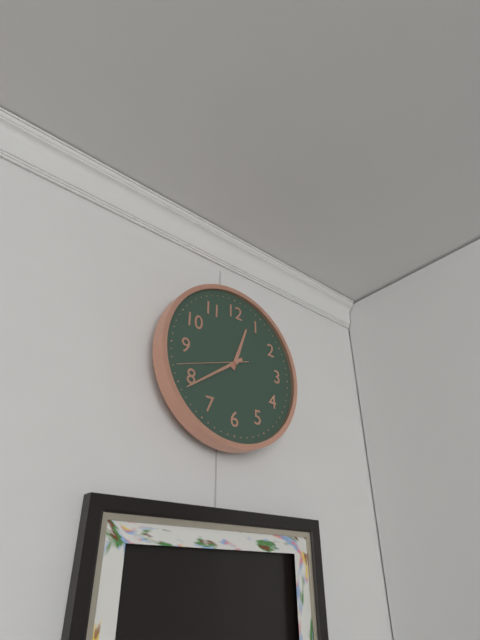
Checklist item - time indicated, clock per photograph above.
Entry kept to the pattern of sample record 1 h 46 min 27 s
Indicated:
12 h 39 min 42 s
